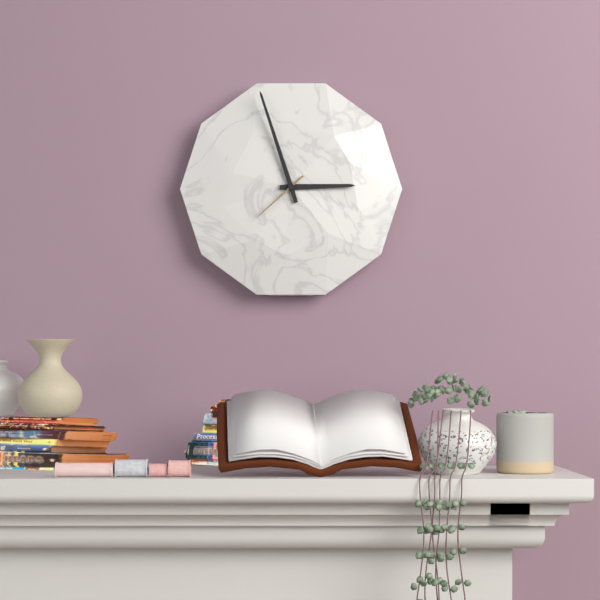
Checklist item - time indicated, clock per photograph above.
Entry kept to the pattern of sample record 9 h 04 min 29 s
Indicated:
2 h 57 min 38 s
